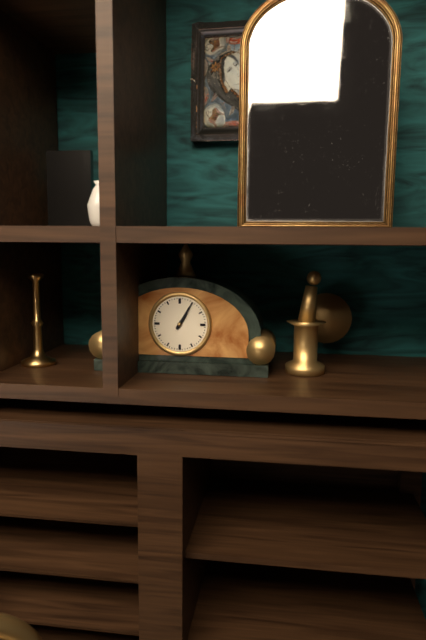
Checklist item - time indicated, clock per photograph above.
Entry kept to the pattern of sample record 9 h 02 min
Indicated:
1 h 05 min
